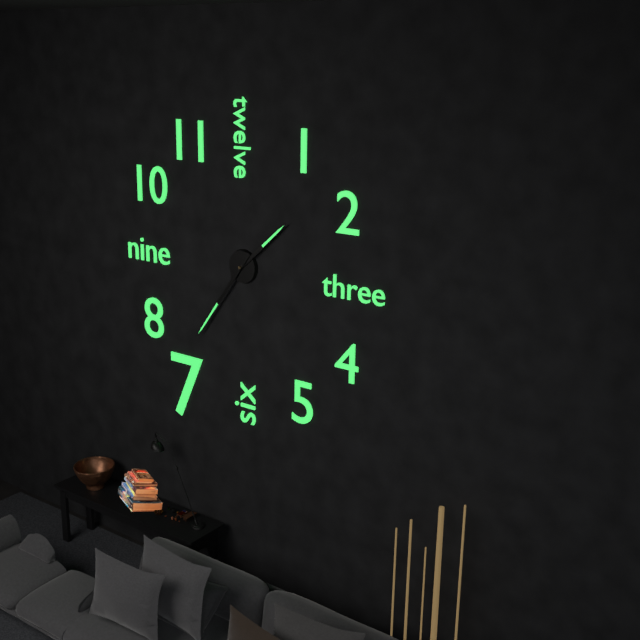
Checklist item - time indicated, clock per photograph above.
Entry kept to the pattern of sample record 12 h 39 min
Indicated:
1 h 36 min
